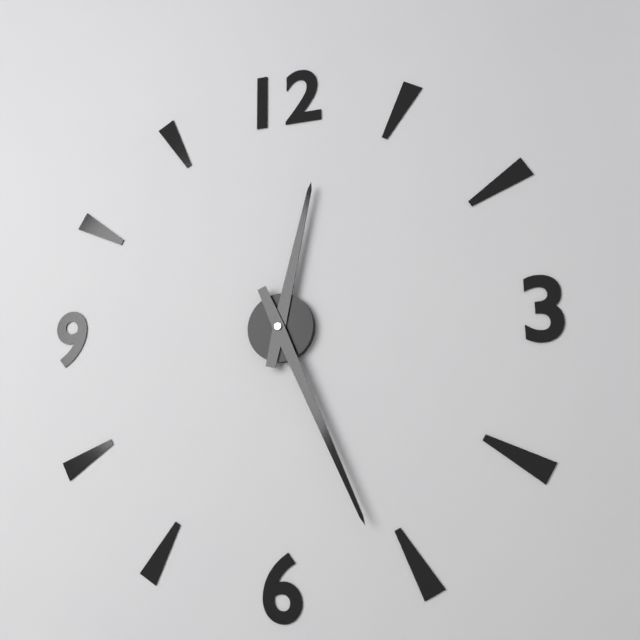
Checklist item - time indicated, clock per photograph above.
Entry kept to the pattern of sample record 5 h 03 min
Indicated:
12 h 26 min
